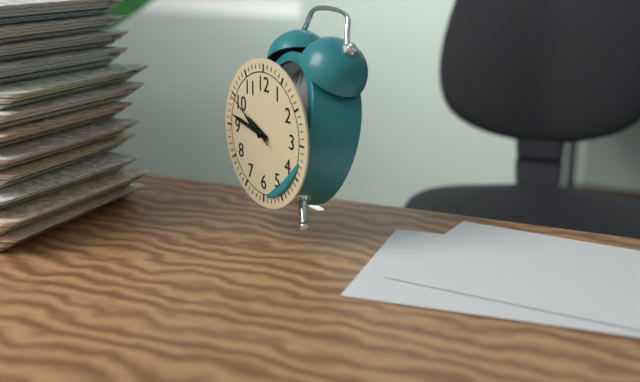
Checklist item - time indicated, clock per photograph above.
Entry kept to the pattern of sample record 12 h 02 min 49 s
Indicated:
9 h 47 min 50 s
